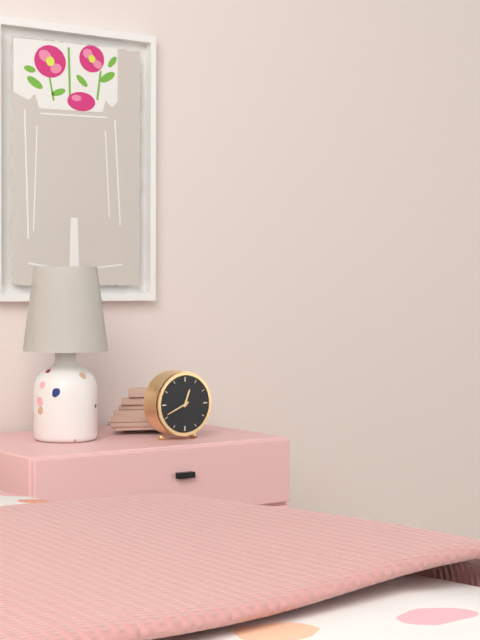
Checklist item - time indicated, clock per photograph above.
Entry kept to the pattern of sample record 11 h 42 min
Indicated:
12 h 41 min
